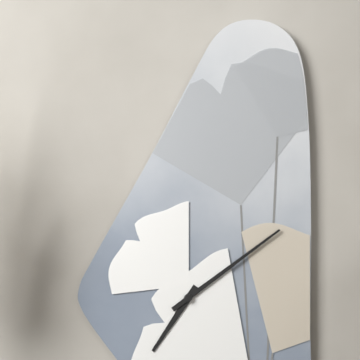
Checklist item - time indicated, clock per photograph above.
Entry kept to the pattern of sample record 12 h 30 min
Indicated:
7 h 09 min
